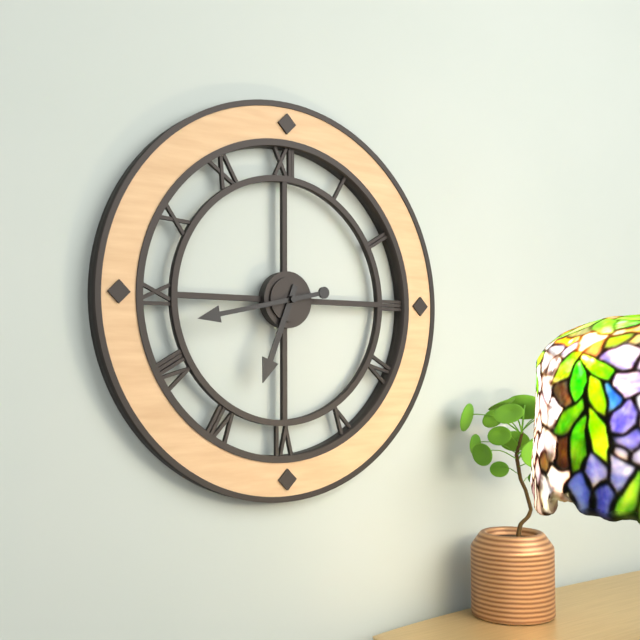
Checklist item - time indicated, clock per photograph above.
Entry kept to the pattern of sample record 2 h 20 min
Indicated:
6 h 43 min
